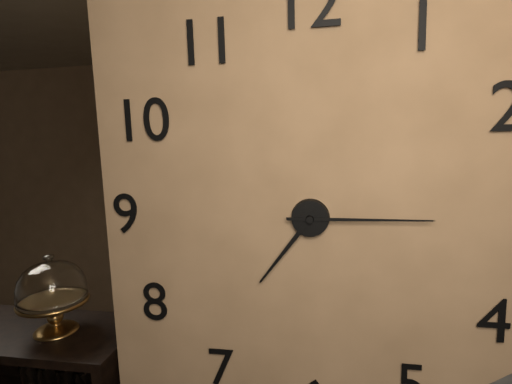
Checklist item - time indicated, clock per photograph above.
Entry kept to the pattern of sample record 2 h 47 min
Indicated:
7 h 15 min
